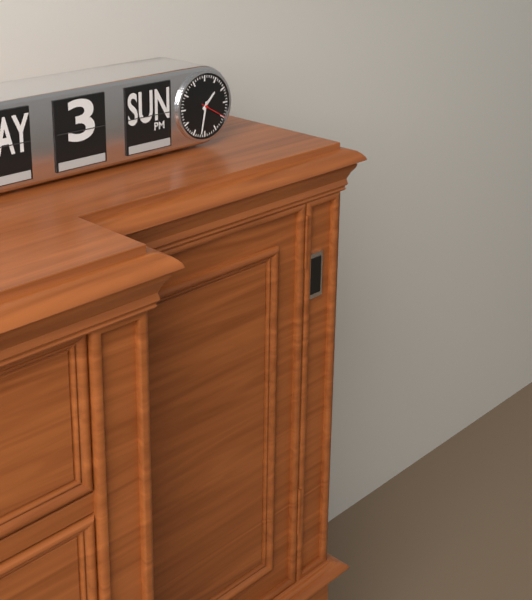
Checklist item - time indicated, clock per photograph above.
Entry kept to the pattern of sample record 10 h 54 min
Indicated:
1 h 32 min
